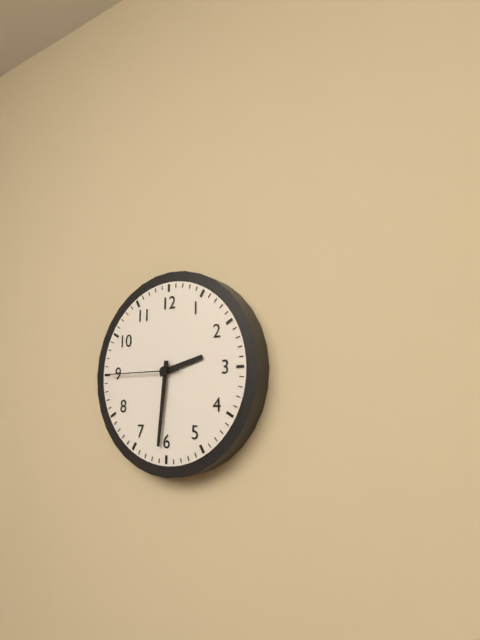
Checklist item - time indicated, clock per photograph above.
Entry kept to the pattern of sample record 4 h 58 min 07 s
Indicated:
2 h 31 min 45 s
